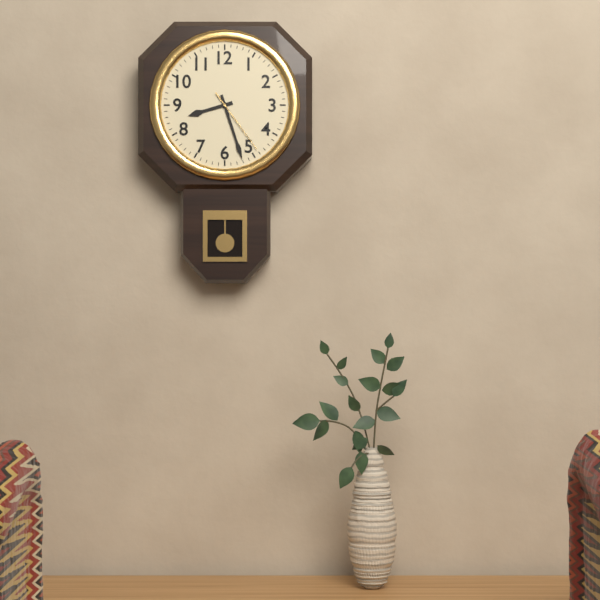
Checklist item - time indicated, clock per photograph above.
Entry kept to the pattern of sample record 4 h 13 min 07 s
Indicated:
8 h 27 min 24 s
